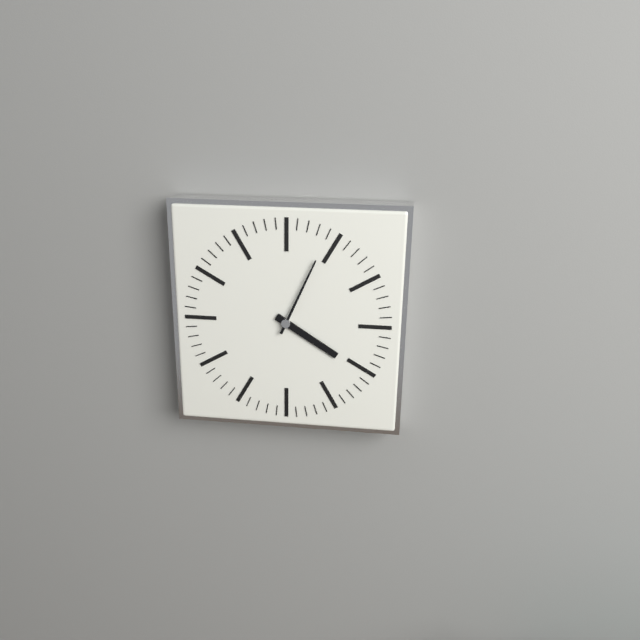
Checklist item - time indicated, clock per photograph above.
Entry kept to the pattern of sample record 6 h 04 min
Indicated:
4 h 04 min
